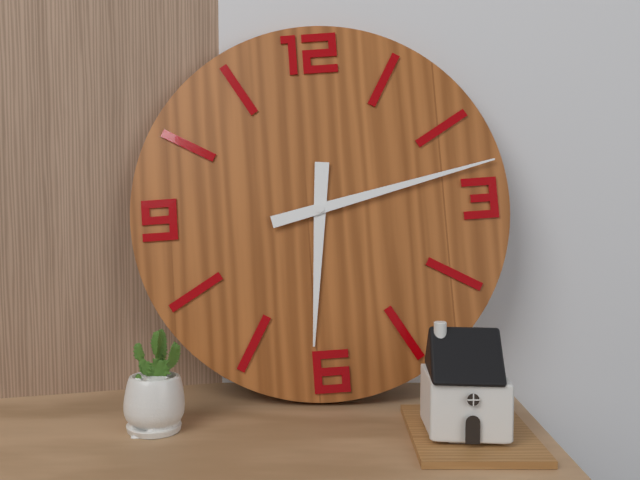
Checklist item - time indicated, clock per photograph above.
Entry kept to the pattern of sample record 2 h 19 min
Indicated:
6 h 13 min
